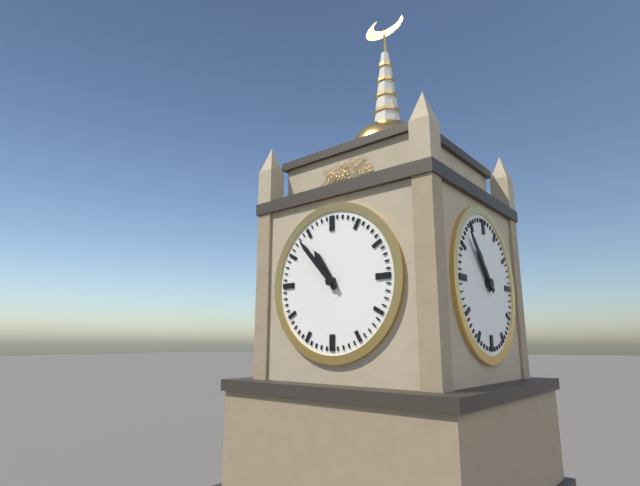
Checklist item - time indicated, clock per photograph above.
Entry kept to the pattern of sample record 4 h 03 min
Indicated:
10 h 53 min
